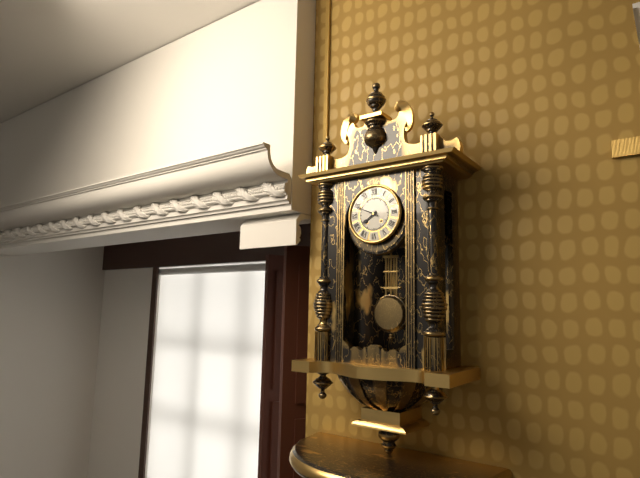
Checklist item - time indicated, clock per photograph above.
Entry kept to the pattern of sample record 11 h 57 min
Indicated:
7 h 49 min
